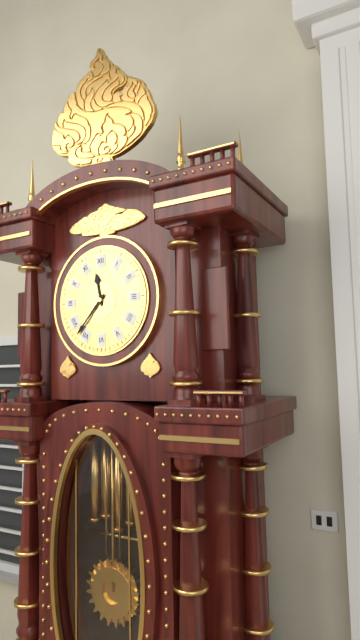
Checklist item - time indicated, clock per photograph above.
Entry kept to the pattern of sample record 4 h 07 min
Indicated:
11 h 37 min
